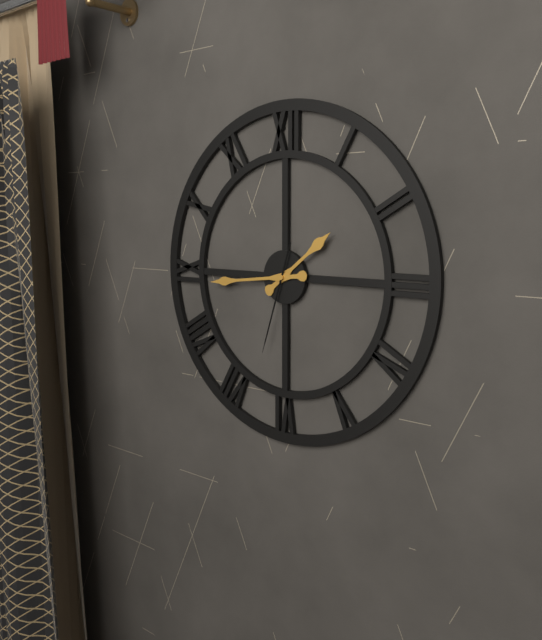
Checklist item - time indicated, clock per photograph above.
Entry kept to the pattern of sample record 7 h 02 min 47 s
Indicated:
1 h 44 min 33 s
